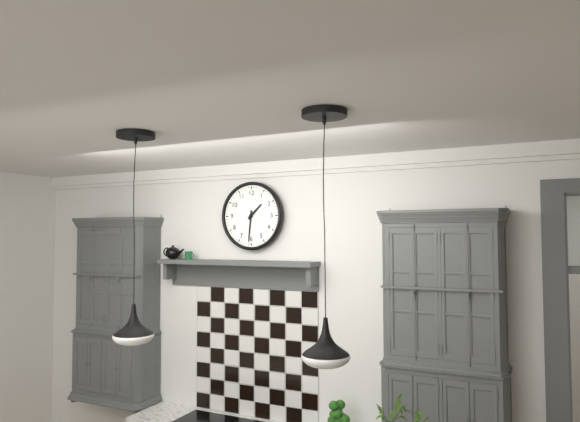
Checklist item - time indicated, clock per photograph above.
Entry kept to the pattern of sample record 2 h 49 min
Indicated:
1 h 31 min
